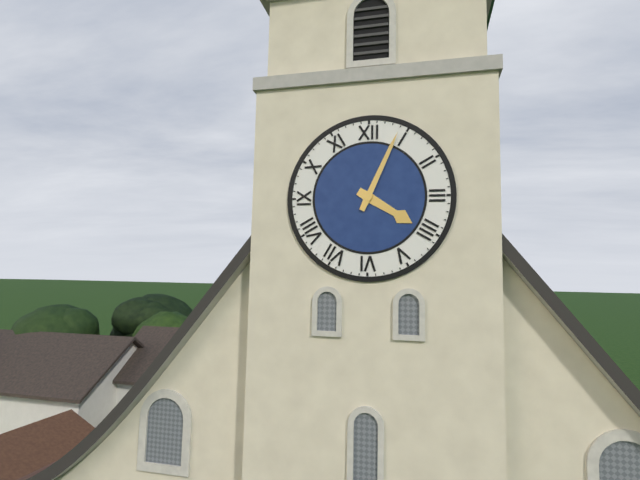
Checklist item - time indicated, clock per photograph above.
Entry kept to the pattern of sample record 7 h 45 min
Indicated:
4 h 04 min
